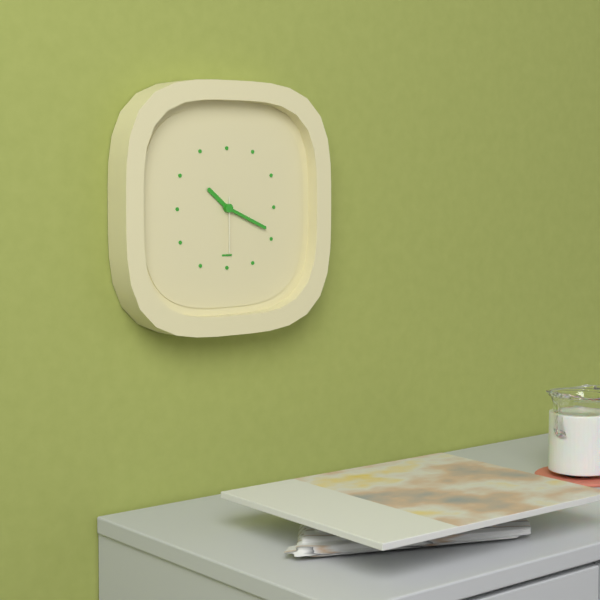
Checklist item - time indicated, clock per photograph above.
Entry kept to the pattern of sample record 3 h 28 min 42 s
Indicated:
10 h 19 min 30 s
